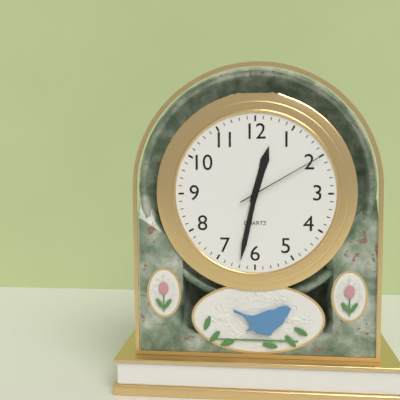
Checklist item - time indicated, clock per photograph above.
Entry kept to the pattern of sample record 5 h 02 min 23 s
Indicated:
12 h 32 min 10 s
